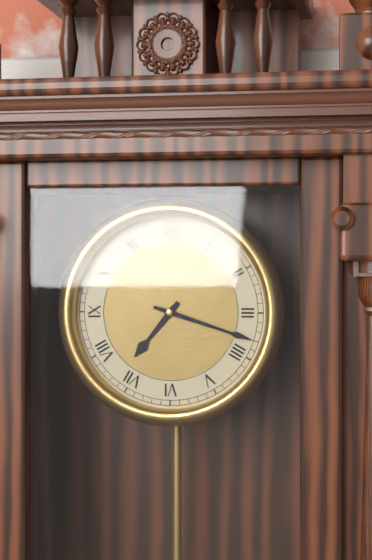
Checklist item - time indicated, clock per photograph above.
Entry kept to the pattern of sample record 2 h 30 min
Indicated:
7 h 18 min
